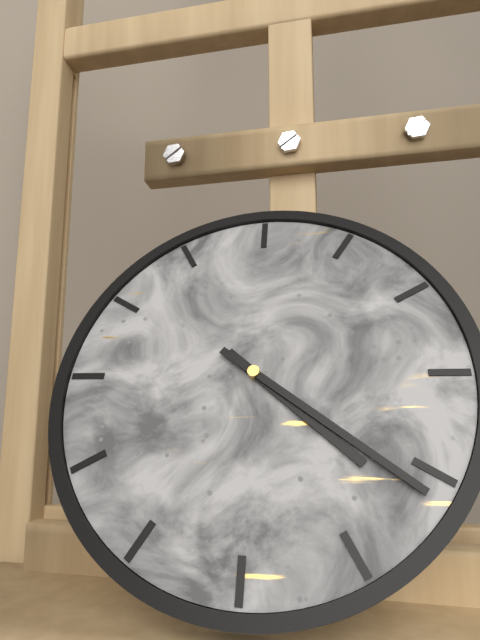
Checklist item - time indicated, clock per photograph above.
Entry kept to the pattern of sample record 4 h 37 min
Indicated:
4 h 21 min
